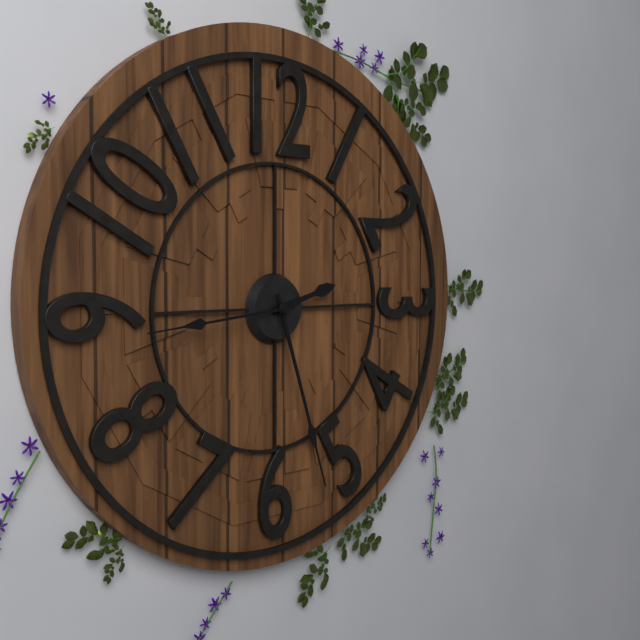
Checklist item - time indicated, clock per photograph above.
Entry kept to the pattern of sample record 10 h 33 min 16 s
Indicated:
2 h 27 min 44 s
